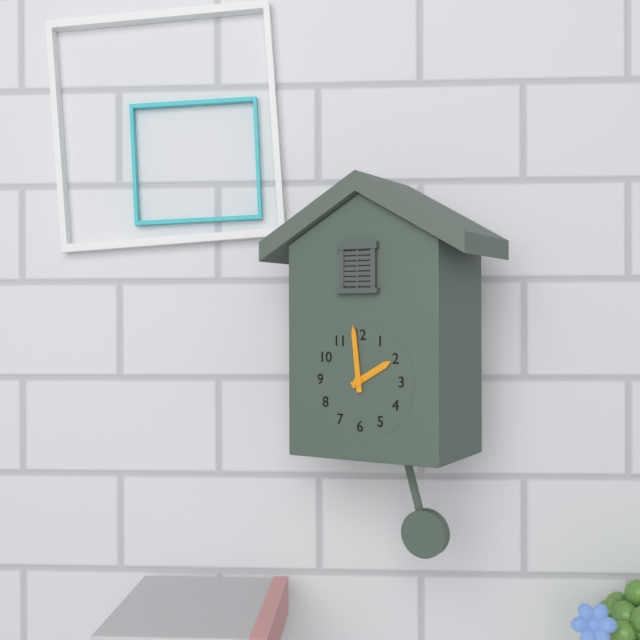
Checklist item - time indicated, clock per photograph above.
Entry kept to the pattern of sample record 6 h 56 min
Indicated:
1 h 59 min
